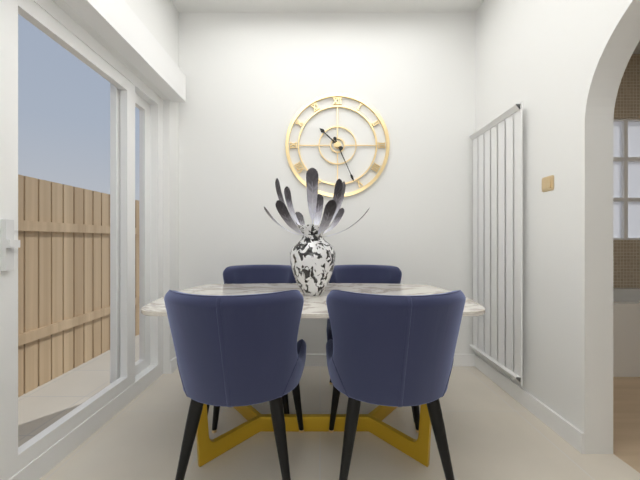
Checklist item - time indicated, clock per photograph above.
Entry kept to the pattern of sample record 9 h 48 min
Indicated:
10 h 26 min
